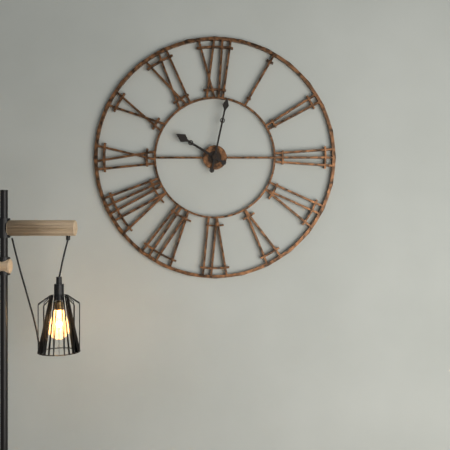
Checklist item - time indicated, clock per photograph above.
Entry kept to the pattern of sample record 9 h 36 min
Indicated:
10 h 02 min
